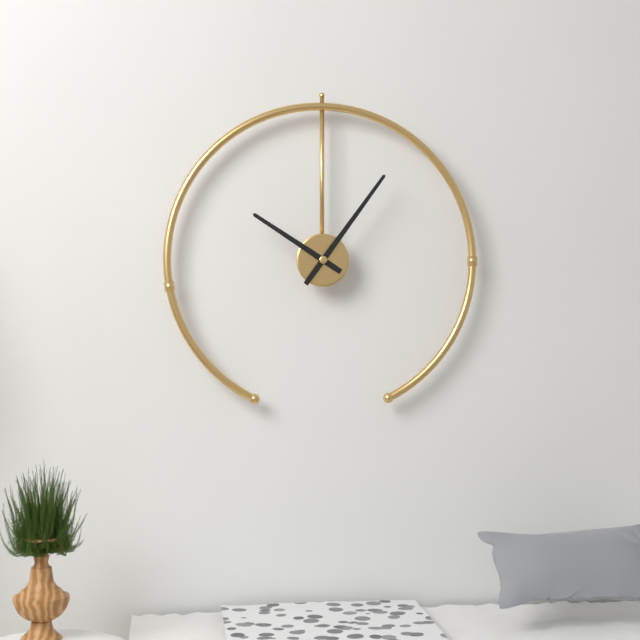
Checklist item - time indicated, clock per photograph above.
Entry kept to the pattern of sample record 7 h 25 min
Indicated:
10 h 06 min
